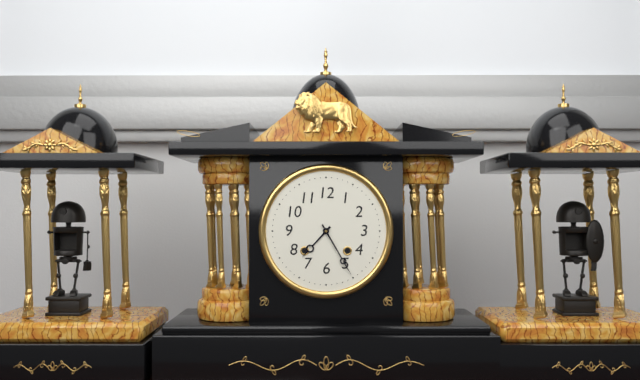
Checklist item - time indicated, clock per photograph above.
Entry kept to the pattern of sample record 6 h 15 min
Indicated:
7 h 25 min
